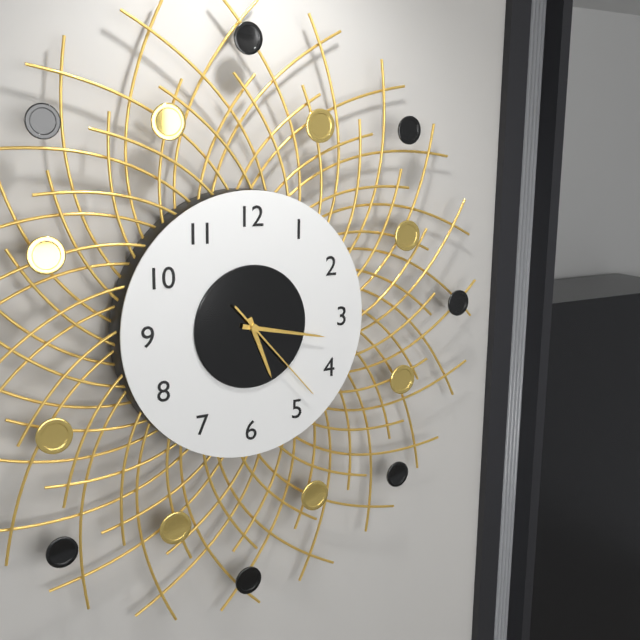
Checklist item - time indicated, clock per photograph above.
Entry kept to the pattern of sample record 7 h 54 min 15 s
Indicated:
5 h 17 min 23 s
